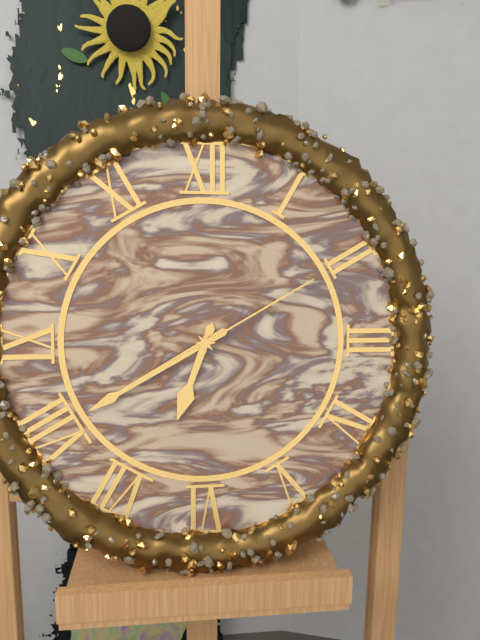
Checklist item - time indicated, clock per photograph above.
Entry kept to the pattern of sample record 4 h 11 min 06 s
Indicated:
6 h 40 min 10 s
